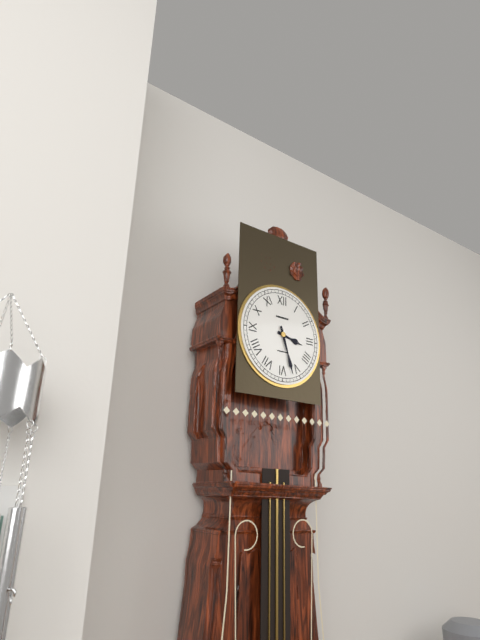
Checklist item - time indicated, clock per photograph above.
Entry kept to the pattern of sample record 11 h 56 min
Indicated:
3 h 27 min
